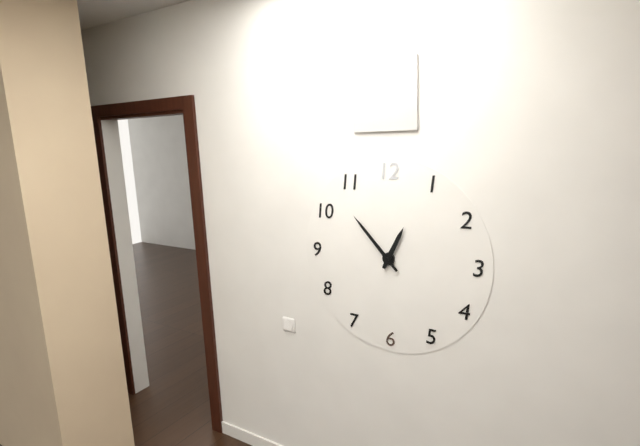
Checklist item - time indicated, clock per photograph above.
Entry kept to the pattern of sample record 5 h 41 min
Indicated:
12 h 53 min
